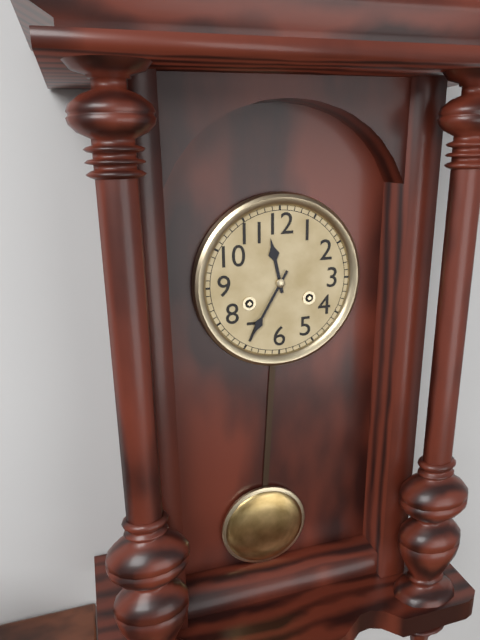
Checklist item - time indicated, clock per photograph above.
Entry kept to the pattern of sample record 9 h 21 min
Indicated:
11 h 35 min
